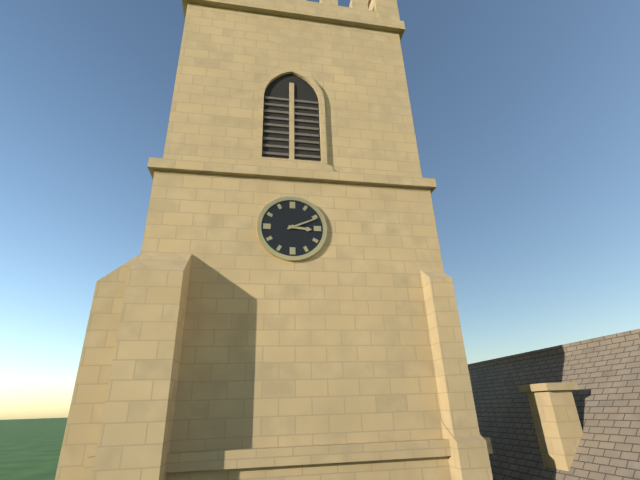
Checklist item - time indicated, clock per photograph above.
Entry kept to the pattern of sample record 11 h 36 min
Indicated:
3 h 11 min
